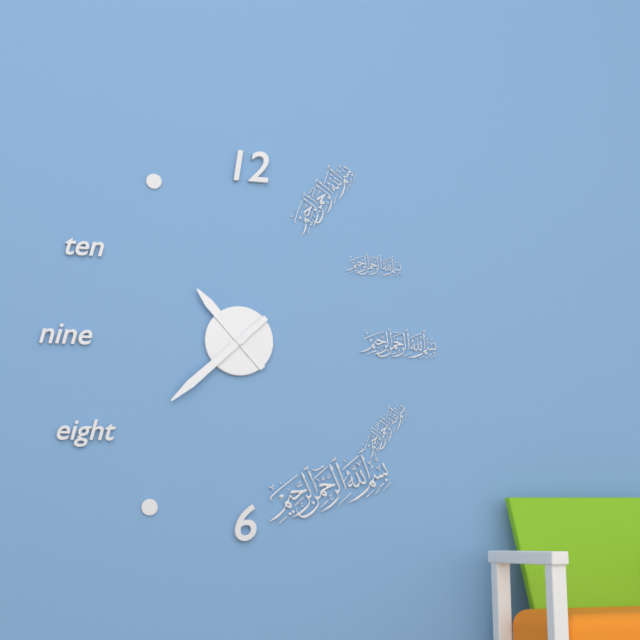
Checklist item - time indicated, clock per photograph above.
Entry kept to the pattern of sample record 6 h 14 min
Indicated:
10 h 38 min
